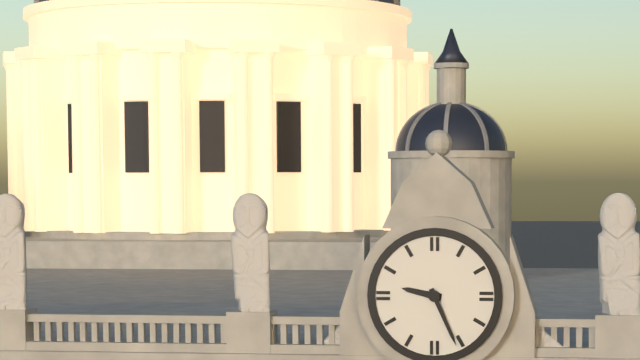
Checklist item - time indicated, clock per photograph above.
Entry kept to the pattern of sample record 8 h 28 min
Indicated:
9 h 26 min
